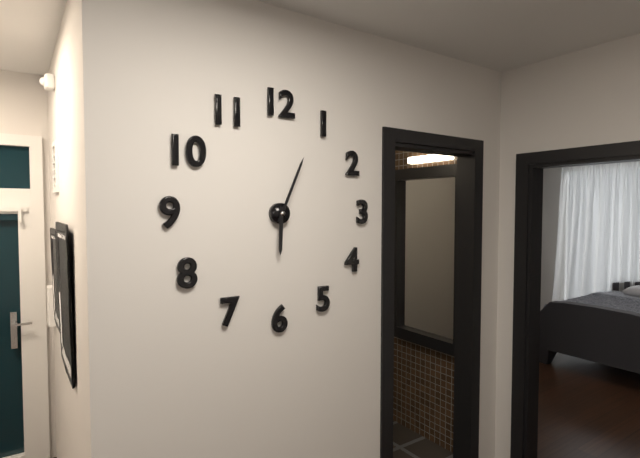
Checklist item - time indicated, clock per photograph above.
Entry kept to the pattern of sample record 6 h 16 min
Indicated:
6 h 04 min
